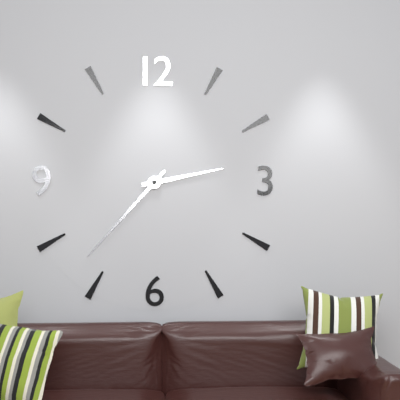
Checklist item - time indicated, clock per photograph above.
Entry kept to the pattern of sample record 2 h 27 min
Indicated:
2 h 37 min
